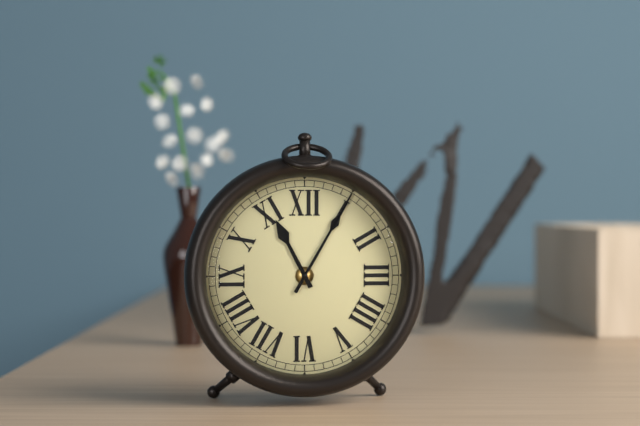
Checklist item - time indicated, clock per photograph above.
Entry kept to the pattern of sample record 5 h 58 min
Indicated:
11 h 05 min
